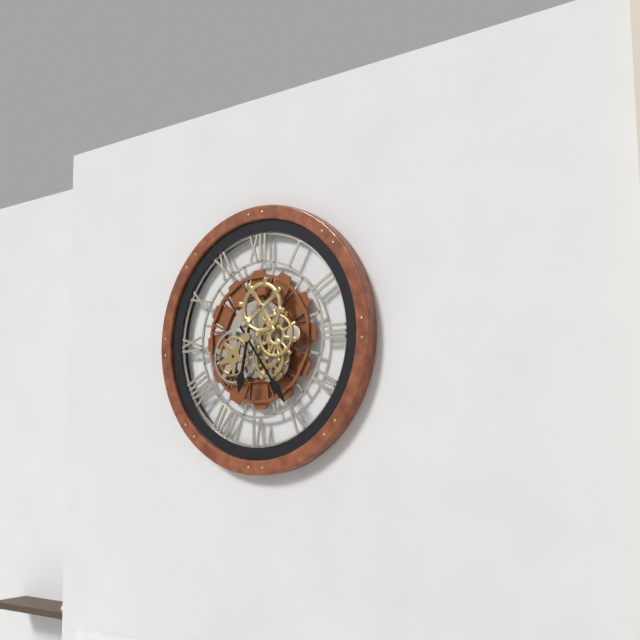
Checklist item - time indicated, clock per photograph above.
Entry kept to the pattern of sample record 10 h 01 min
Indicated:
6 h 24 min
